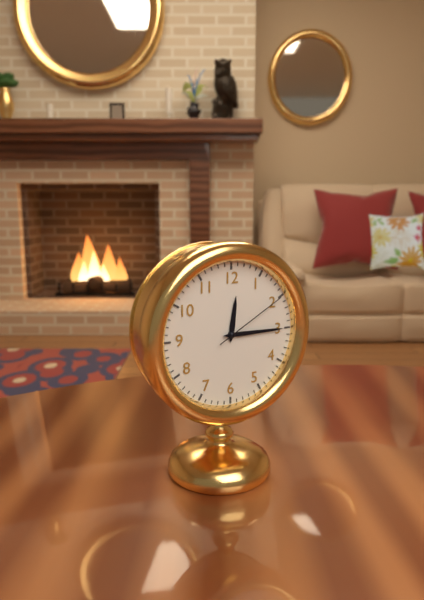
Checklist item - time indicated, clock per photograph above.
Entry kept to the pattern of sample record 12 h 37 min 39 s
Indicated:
12 h 15 min 10 s
